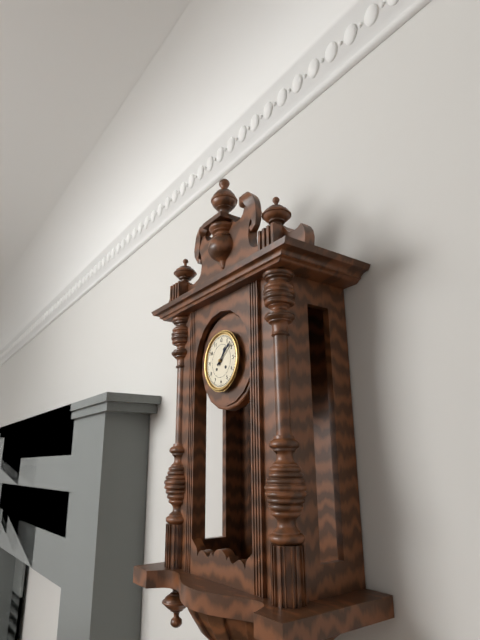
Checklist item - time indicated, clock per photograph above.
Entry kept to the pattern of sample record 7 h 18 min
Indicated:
1 h 08 min
